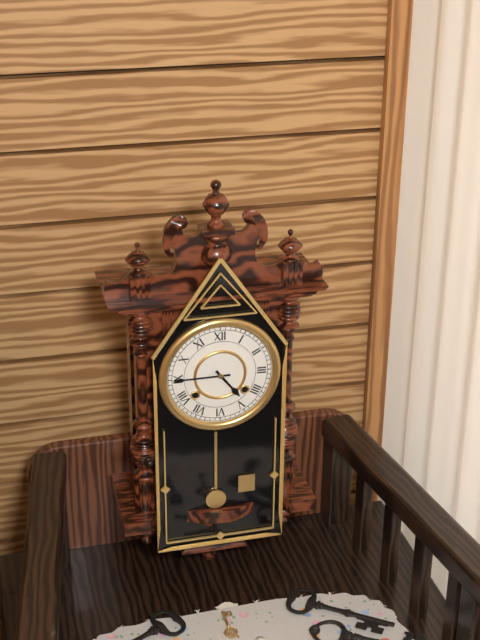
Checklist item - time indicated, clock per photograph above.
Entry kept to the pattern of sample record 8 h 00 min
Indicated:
4 h 45 min
